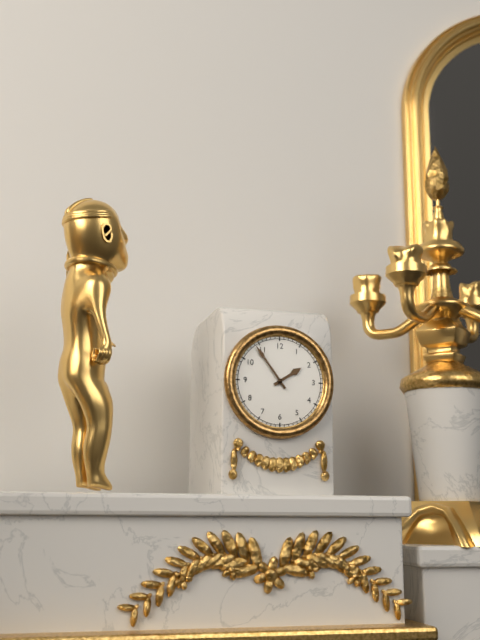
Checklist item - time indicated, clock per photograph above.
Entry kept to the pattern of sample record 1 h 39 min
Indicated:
1 h 54 min
